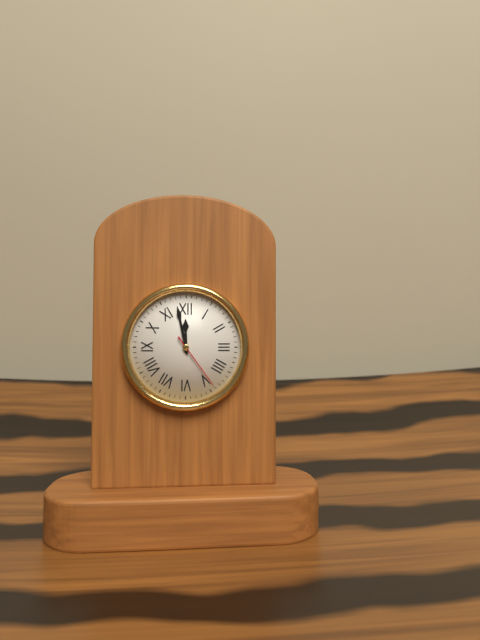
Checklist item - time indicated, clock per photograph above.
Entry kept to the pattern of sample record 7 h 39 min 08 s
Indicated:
11 h 58 min 24 s
